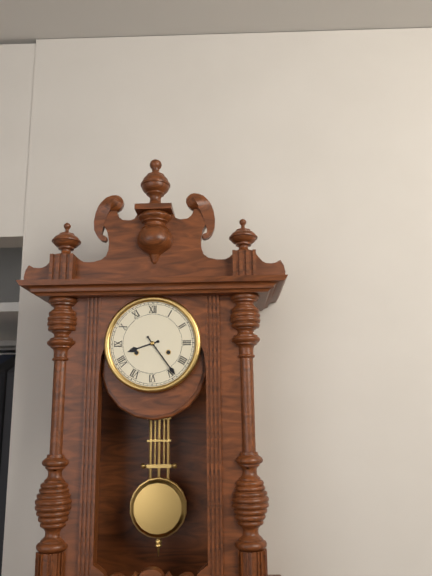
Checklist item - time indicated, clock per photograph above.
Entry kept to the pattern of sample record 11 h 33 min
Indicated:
8 h 24 min
